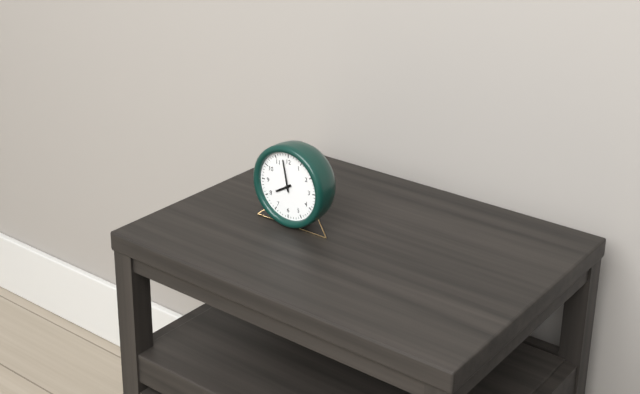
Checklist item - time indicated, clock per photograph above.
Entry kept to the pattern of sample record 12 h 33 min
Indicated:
7 h 58 min
